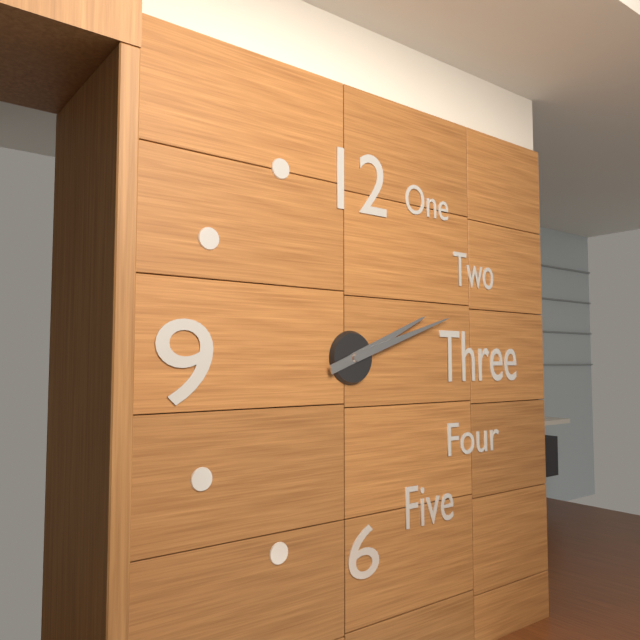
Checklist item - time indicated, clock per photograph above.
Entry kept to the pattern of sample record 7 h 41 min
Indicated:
2 h 12 min
